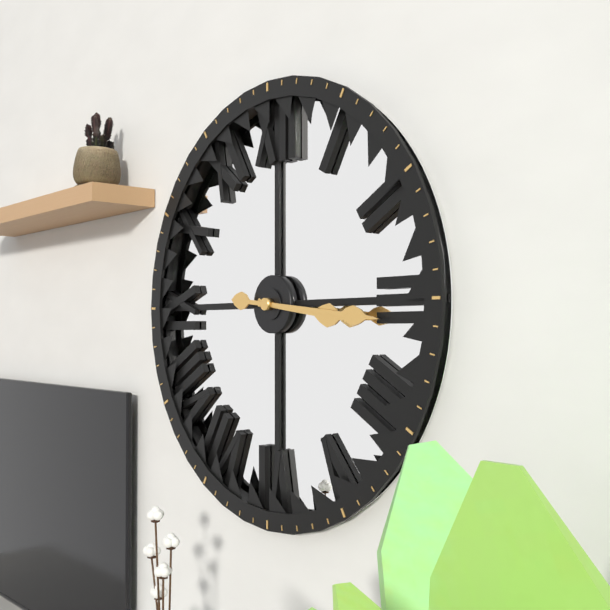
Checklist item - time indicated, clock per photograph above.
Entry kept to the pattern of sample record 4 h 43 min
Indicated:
3 h 16 min
